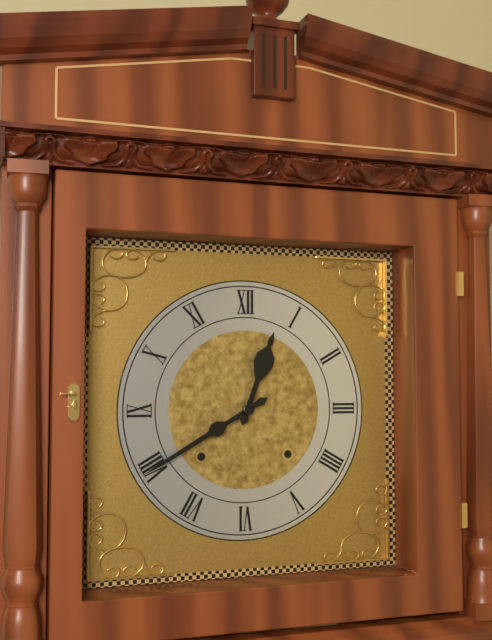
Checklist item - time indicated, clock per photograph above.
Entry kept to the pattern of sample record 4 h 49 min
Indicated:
12 h 40 min
